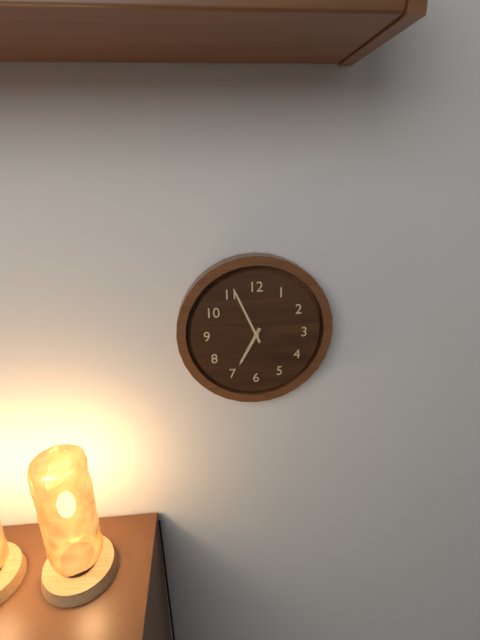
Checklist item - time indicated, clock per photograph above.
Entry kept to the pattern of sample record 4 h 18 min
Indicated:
6 h 56 min
